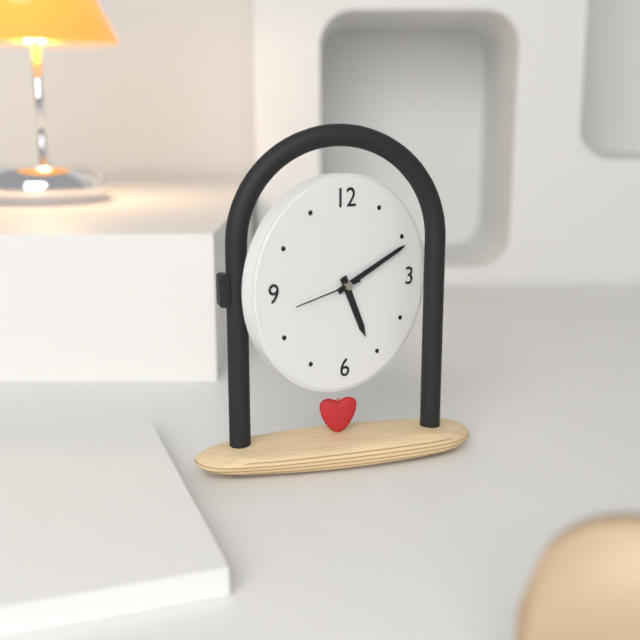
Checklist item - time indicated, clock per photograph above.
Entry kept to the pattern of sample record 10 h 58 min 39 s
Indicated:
5 h 11 min 43 s
